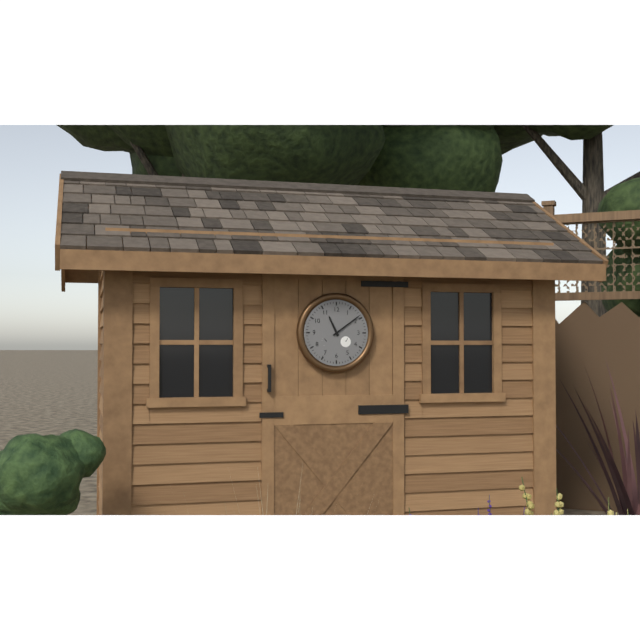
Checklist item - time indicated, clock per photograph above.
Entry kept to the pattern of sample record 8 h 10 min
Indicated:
11 h 09 min
